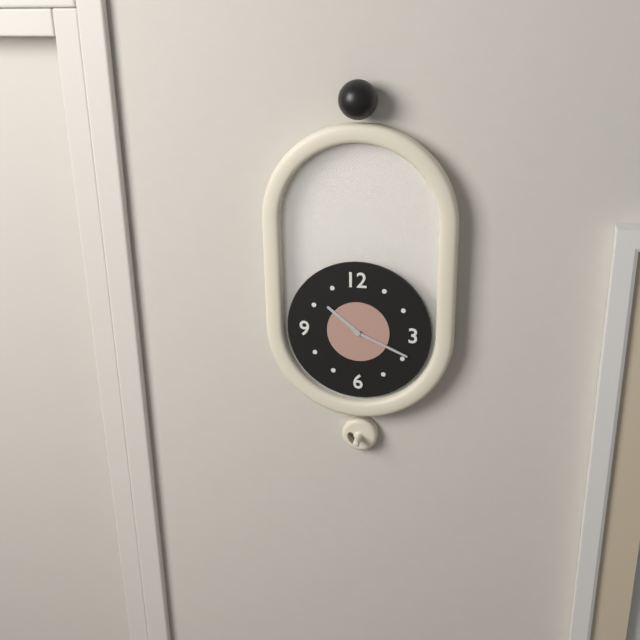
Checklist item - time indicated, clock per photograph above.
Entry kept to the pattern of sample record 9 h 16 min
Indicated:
10 h 19 min
